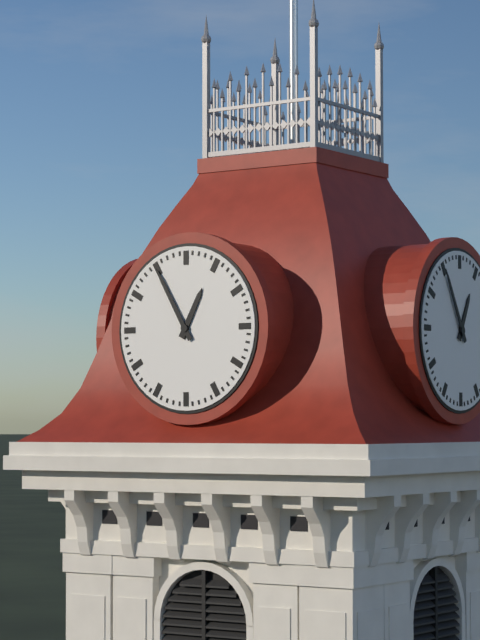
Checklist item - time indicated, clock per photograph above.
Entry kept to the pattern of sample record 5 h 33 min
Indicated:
12 h 55 min
